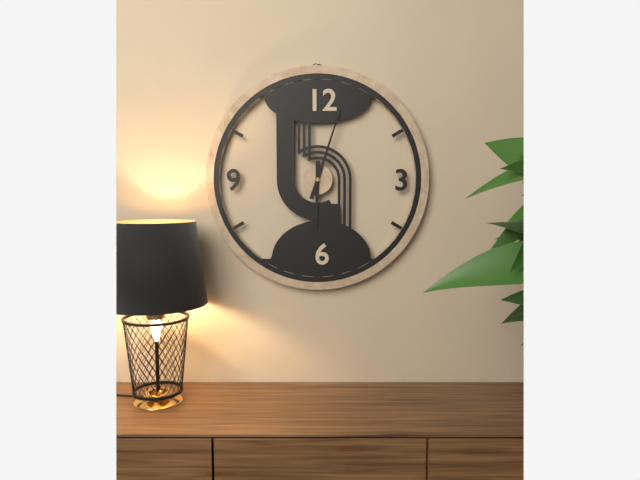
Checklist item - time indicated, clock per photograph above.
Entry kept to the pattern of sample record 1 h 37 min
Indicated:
6 h 03 min
